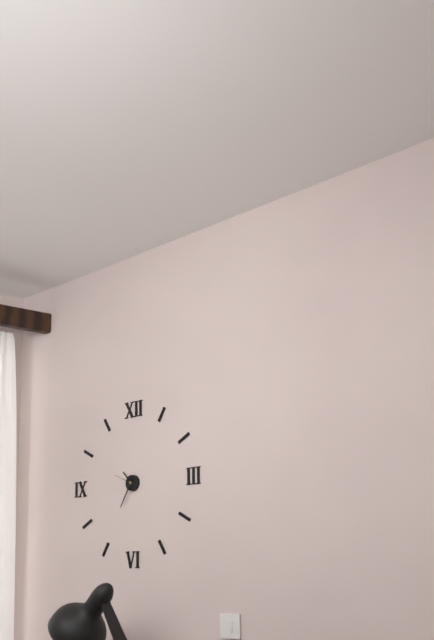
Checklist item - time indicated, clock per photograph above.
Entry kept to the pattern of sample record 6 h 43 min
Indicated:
10 h 35 min
